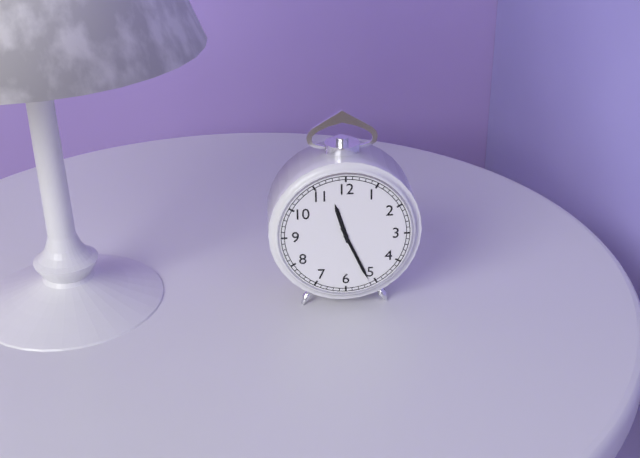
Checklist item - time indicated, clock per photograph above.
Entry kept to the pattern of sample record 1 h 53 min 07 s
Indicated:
11 h 26 min 26 s
